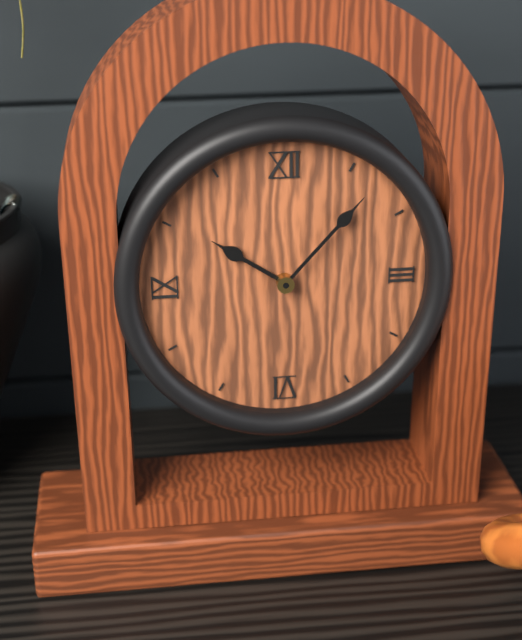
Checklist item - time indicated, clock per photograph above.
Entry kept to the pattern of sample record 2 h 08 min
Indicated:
10 h 07 min
